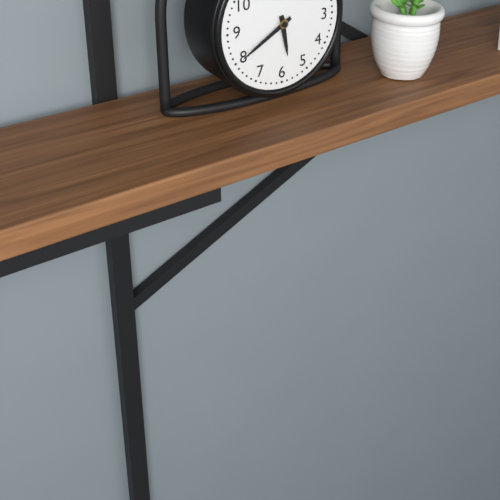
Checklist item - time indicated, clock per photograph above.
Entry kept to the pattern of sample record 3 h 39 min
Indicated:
5 h 40 min
